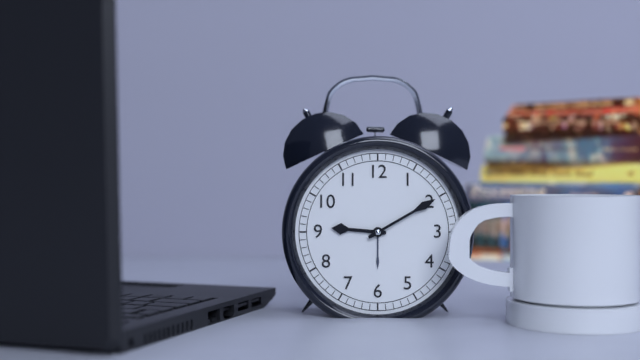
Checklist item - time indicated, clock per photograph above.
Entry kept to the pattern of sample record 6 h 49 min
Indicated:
9 h 10 min
